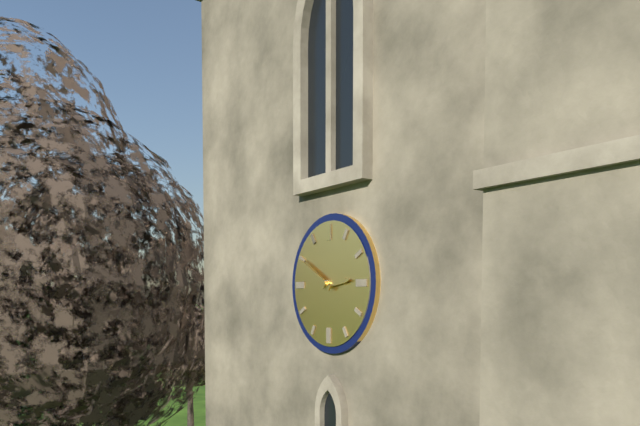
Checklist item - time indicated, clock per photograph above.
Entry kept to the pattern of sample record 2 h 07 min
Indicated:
2 h 50 min
